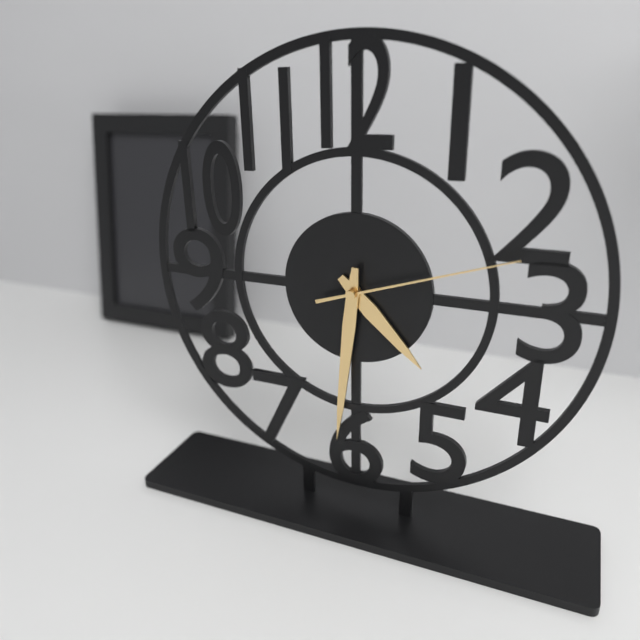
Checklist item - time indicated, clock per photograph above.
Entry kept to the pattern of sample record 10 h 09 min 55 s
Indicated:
4 h 31 min 12 s
